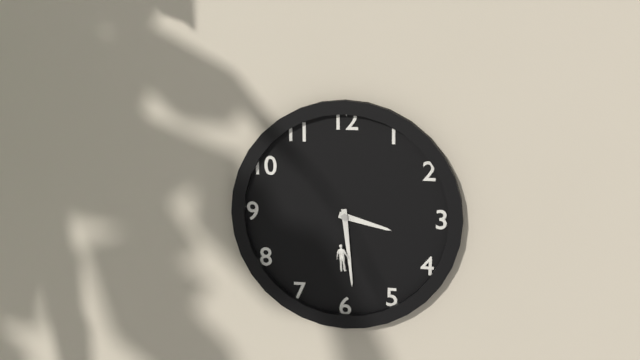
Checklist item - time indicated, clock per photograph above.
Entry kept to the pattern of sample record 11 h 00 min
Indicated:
3 h 29 min
